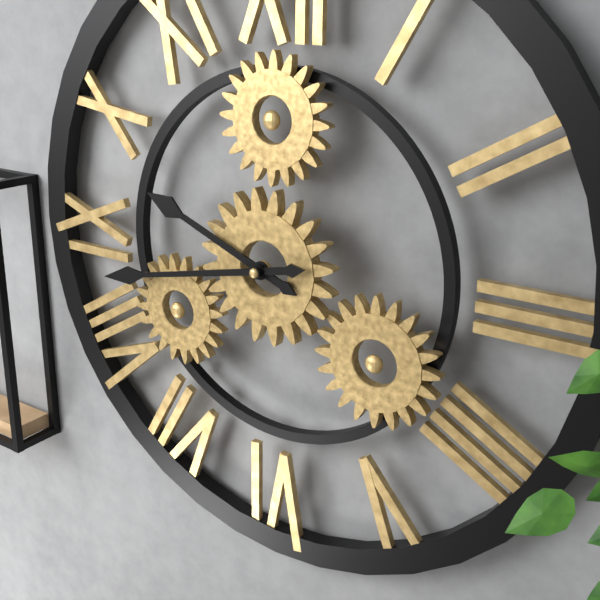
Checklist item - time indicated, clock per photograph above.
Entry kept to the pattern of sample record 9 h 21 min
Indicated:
9 h 43 min
